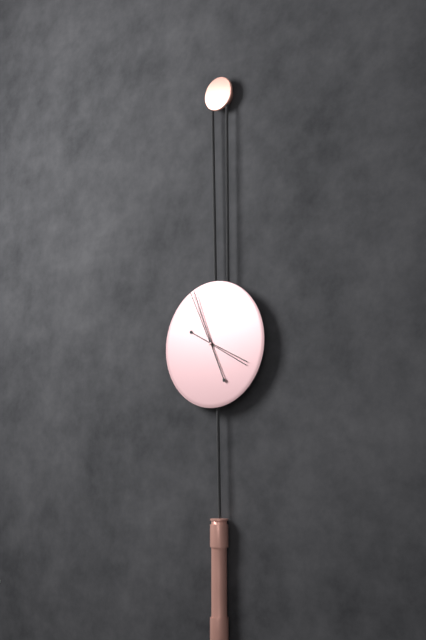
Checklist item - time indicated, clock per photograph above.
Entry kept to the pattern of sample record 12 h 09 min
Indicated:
3 h 56 min
